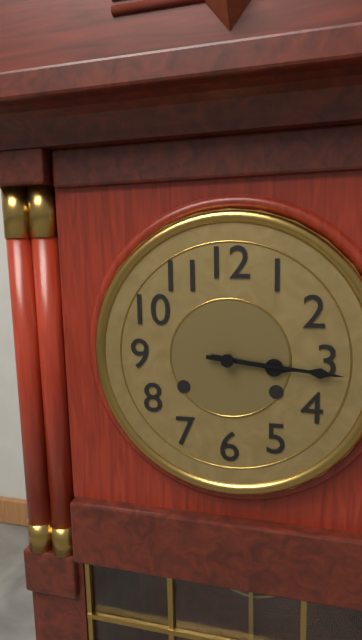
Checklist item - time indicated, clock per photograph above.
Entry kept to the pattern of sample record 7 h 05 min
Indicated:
3 h 16 min
